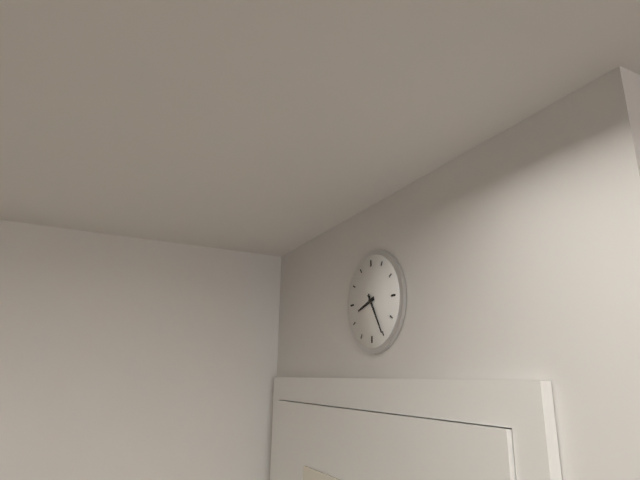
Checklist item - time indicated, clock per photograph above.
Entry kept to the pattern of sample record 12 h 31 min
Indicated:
8 h 25 min
